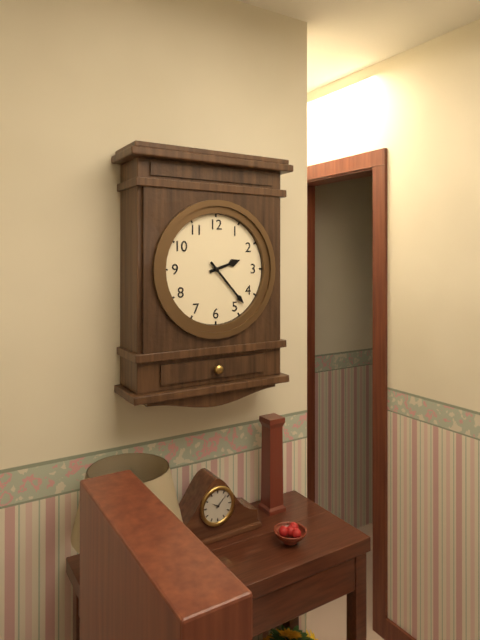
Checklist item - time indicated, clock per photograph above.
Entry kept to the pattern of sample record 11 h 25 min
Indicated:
2 h 23 min
